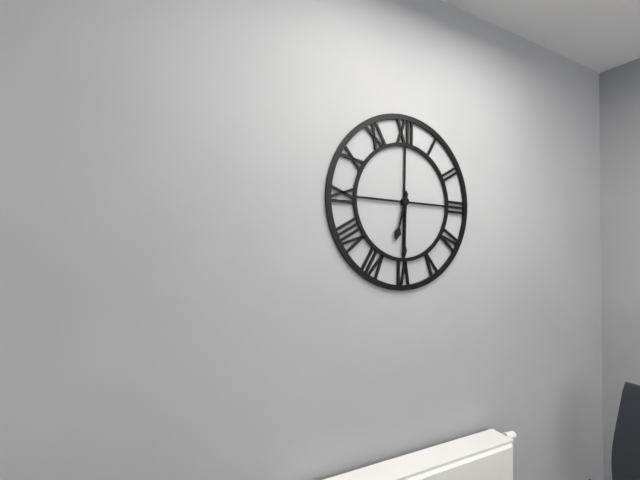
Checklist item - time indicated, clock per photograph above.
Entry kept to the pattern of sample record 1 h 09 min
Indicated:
6 h 30 min
